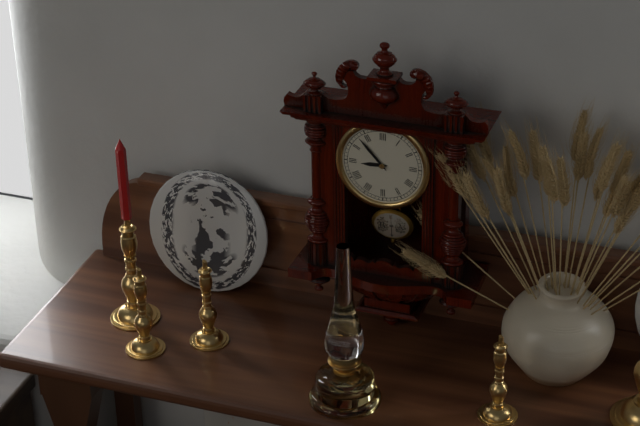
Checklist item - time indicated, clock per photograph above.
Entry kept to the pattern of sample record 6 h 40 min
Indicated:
8 h 53 min
